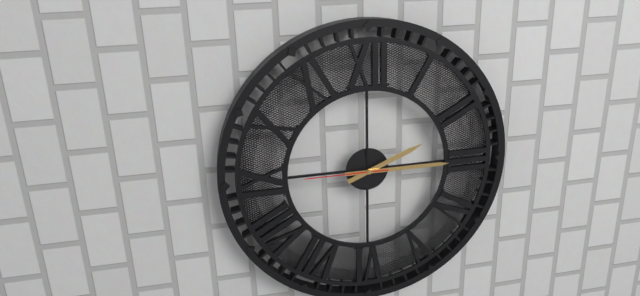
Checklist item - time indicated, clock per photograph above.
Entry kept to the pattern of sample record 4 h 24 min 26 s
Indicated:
2 h 15 min 45 s
